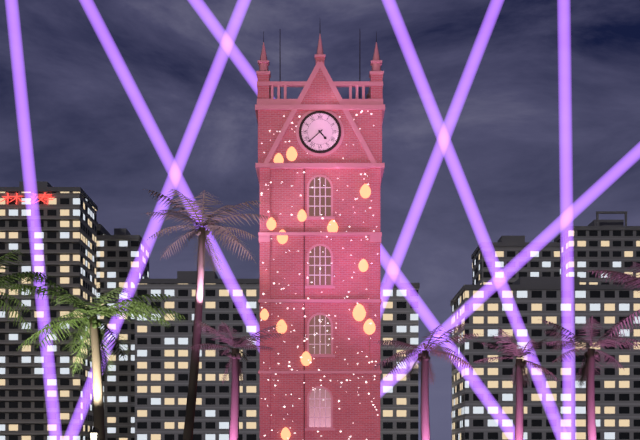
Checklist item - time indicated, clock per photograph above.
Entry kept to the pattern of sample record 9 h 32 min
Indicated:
4 h 38 min
